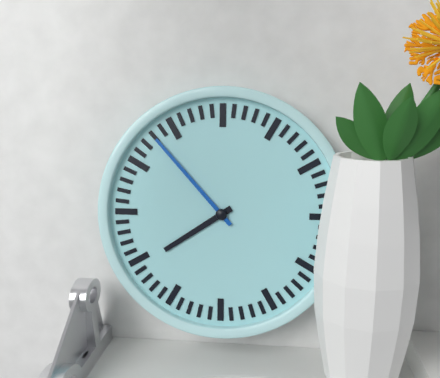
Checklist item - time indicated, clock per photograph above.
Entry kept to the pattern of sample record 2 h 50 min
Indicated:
7 h 53 min
